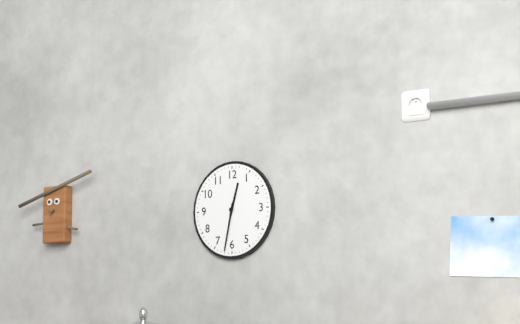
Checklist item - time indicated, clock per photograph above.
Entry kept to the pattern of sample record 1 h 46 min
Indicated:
12 h 32 min
